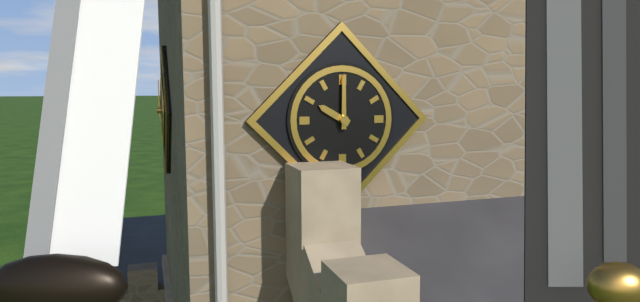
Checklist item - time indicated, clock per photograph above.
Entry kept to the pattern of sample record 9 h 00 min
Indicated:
10 h 00 min
